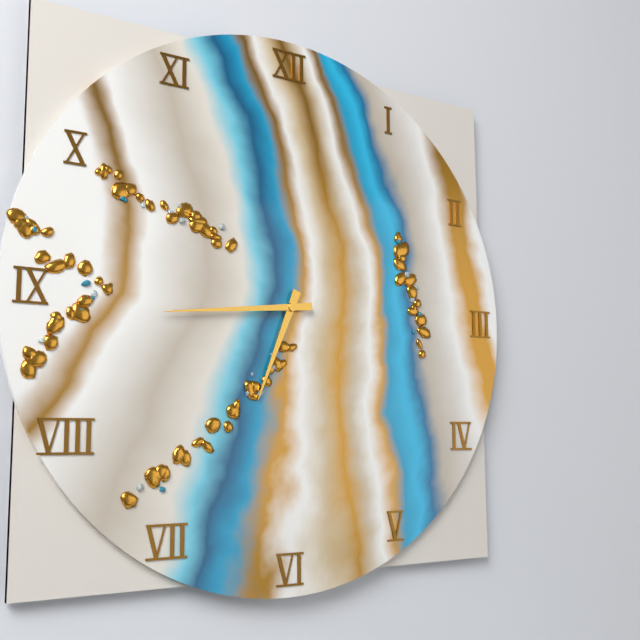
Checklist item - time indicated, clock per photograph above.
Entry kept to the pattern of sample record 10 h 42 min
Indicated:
6 h 44 min
